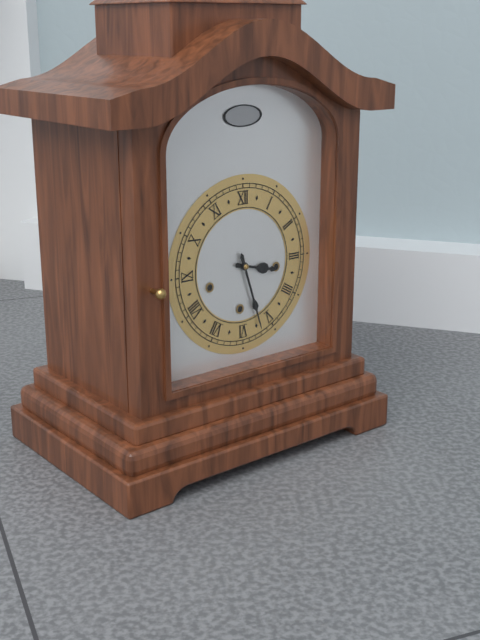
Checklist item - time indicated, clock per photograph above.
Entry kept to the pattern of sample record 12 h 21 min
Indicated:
3 h 27 min
